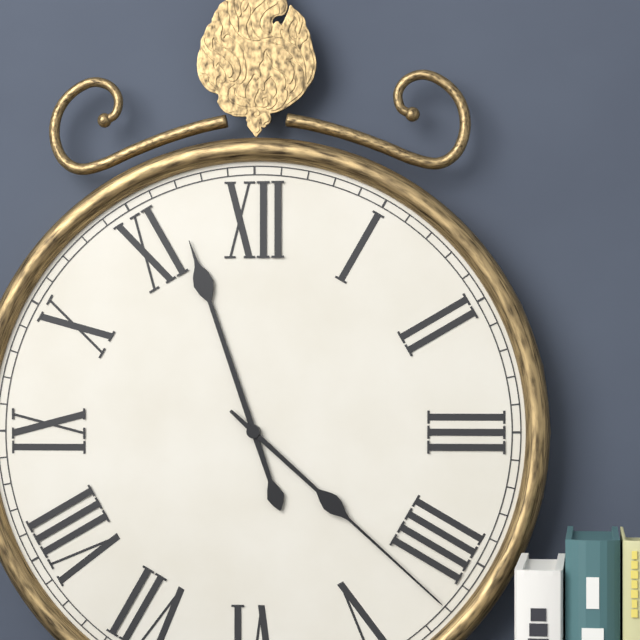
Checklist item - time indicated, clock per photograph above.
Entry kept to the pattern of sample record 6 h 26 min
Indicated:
11 h 22 min
